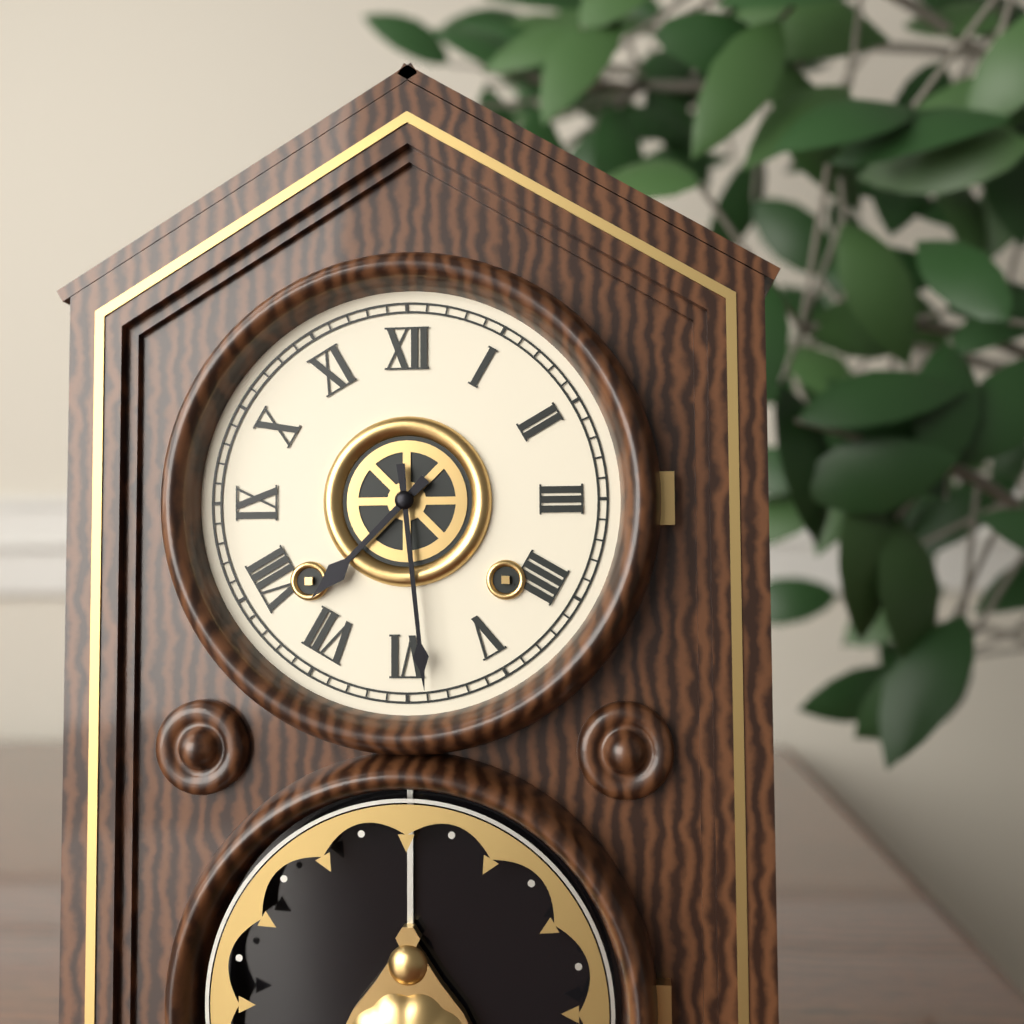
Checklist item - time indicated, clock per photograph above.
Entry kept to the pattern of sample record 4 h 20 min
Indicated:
7 h 29 min
